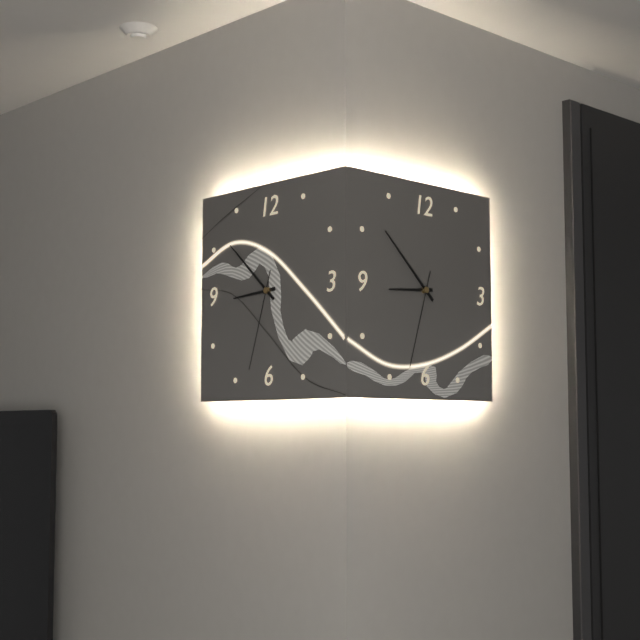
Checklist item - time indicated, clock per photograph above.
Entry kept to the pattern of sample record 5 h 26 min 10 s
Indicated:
8 h 52 min 33 s
